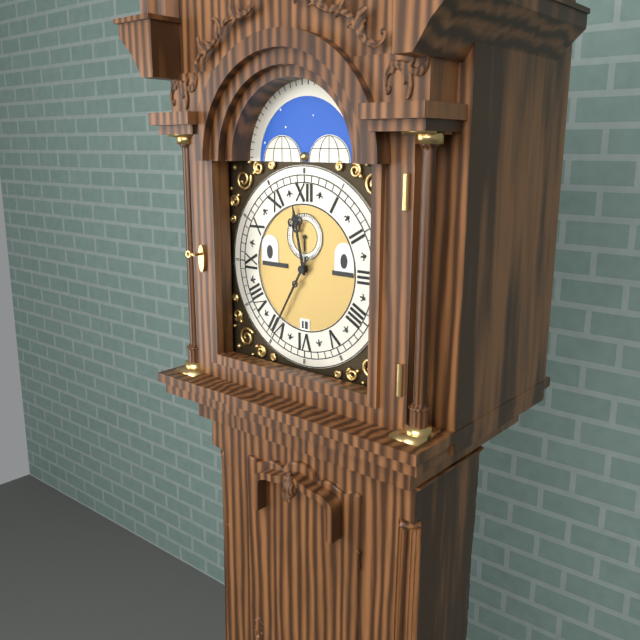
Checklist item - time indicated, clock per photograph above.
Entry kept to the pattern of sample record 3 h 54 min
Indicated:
11 h 35 min
